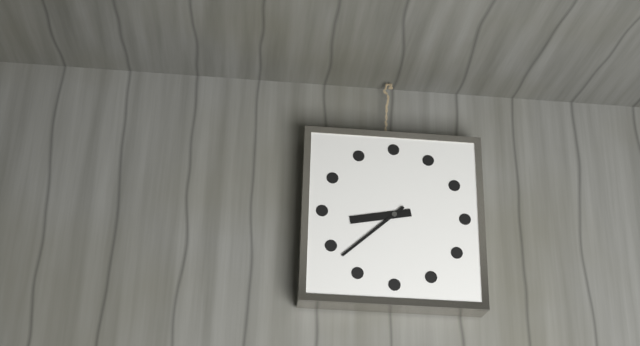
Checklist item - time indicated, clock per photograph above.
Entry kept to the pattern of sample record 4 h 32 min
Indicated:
8 h 38 min
